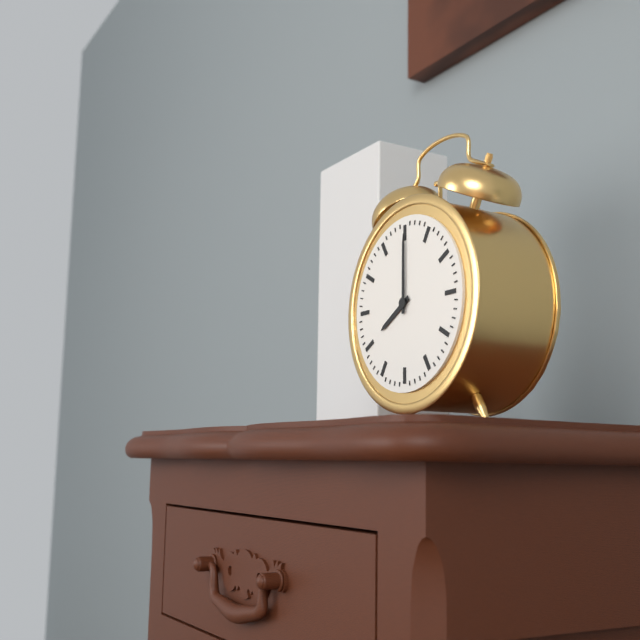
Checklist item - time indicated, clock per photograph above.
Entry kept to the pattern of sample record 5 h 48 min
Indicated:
8 h 00 min
